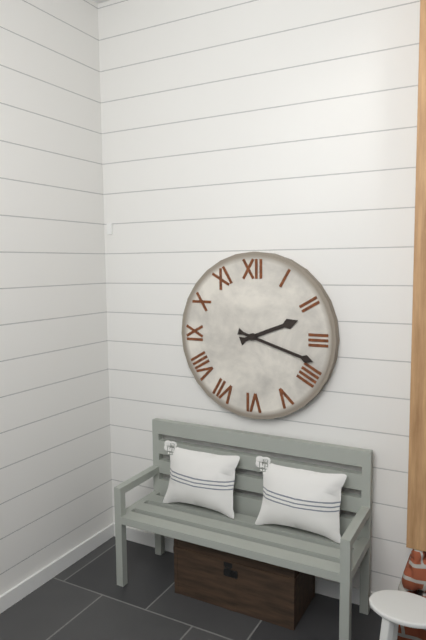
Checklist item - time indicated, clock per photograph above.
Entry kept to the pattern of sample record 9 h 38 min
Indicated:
2 h 18 min
